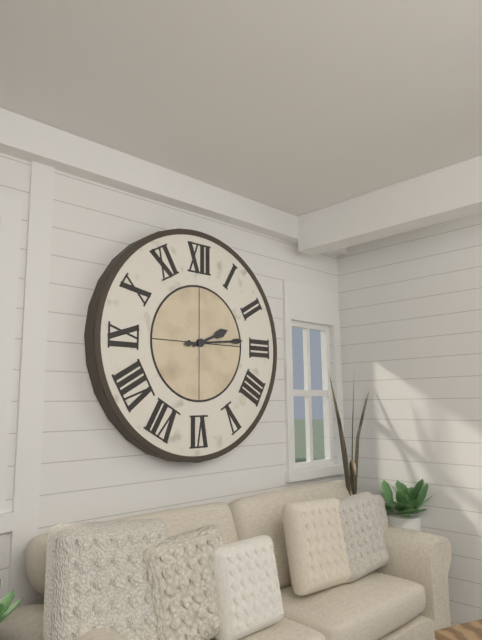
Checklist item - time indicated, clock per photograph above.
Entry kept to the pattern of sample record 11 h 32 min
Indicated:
2 h 14 min
